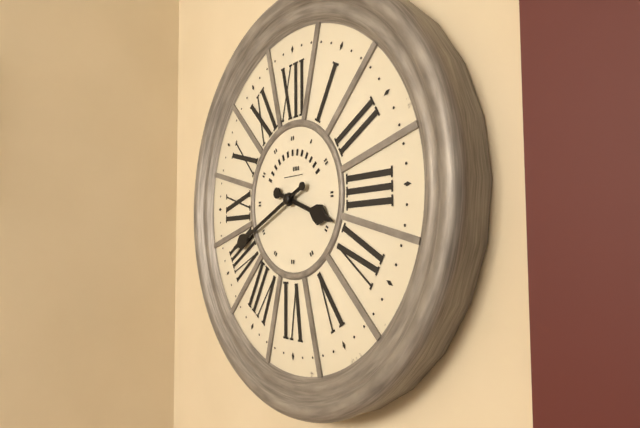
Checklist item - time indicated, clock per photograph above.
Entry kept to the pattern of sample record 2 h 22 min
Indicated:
3 h 41 min
